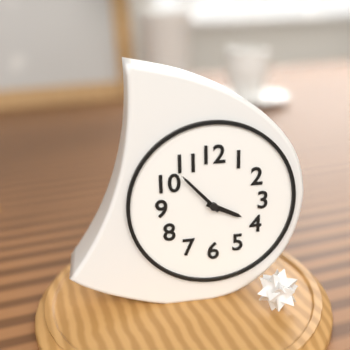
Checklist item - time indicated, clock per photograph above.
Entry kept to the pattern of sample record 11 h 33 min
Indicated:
3 h 53 min
